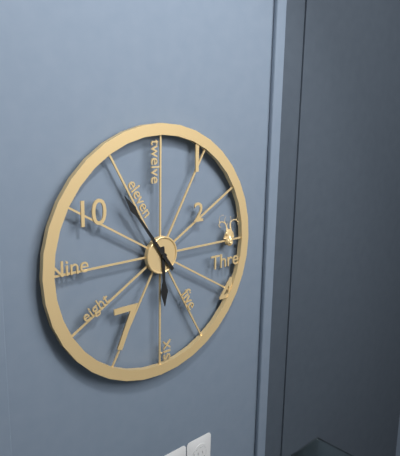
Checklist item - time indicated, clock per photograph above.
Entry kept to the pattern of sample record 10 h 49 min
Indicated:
5 h 54 min
